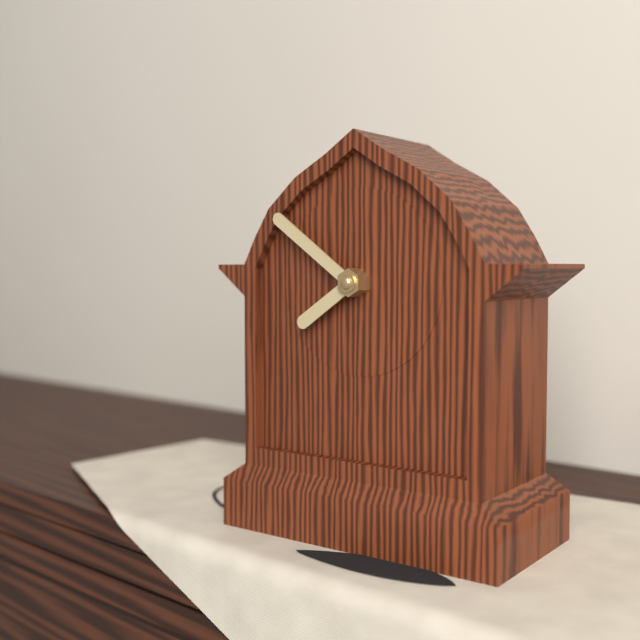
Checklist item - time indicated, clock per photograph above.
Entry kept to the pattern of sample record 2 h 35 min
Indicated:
7 h 51 min
